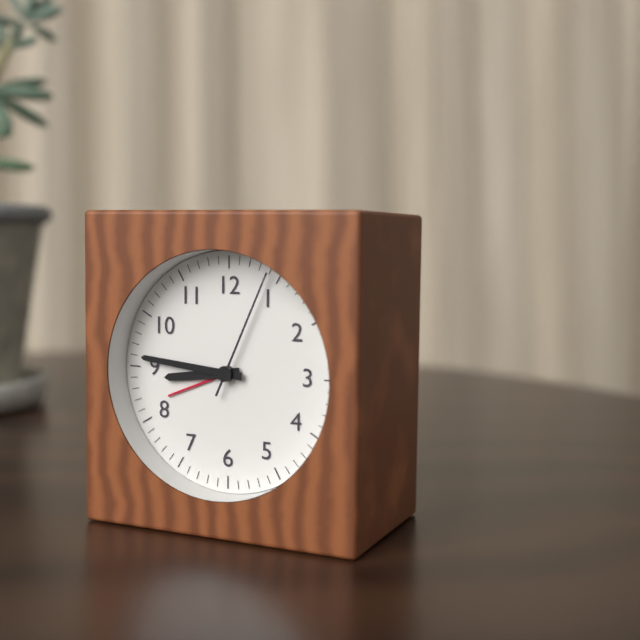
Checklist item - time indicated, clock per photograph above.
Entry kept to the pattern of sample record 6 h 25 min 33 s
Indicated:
8 h 46 min 04 s
